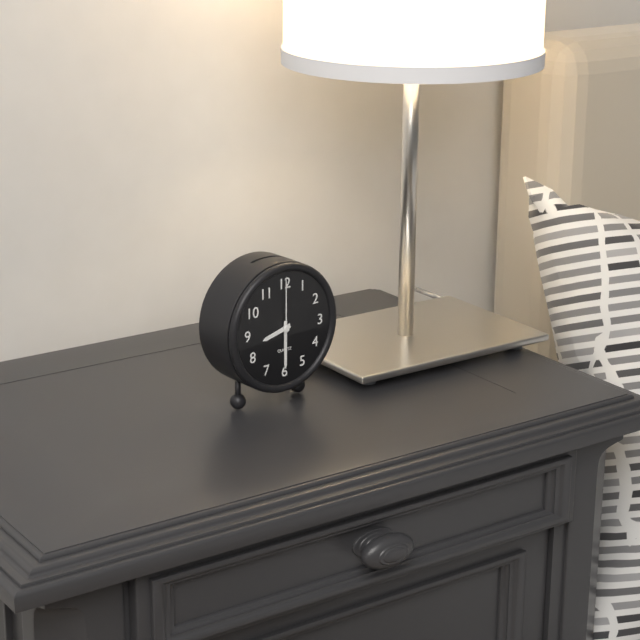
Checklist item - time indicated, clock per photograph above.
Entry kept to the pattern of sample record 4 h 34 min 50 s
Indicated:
8 h 30 min 00 s
